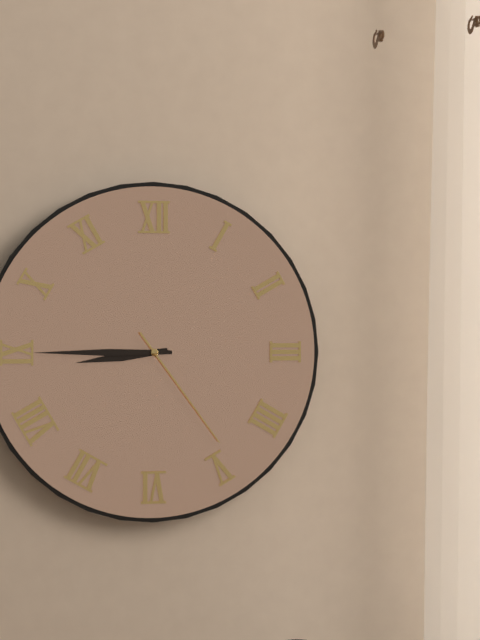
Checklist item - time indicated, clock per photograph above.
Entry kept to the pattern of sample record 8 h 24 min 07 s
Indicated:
8 h 45 min 24 s
